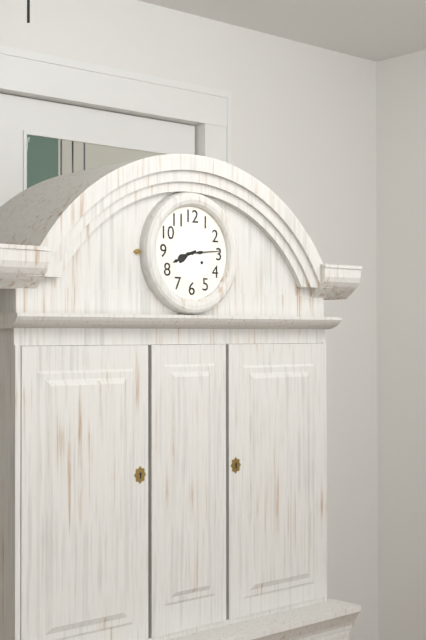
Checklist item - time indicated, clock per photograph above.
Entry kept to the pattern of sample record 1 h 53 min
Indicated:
8 h 14 min
